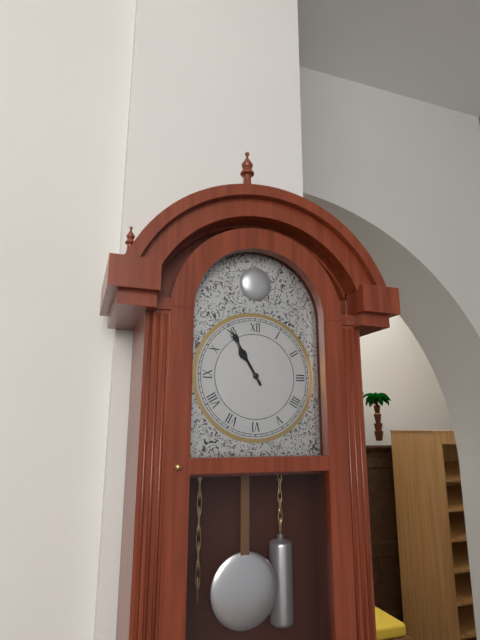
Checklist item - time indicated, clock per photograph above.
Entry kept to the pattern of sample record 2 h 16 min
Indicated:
10 h 55 min
